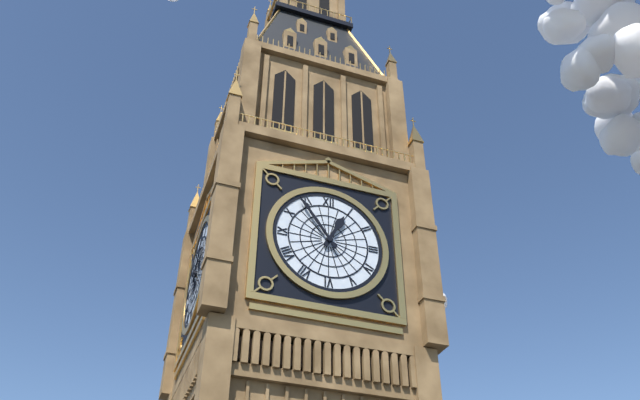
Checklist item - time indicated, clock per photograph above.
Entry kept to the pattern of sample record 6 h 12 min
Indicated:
12 h 54 min
